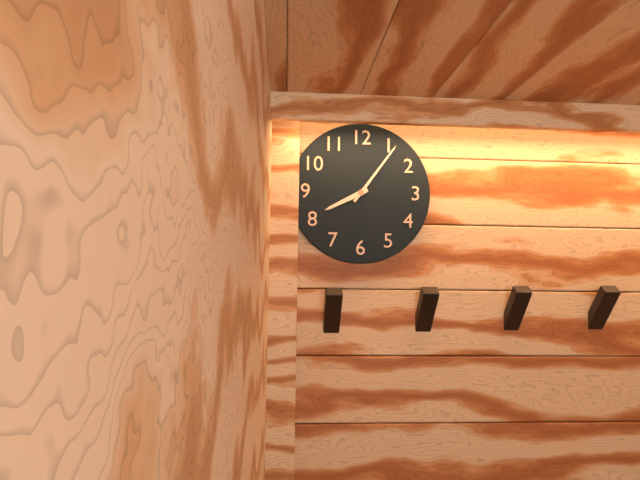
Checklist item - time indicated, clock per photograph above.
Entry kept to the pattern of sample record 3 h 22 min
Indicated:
8 h 06 min
